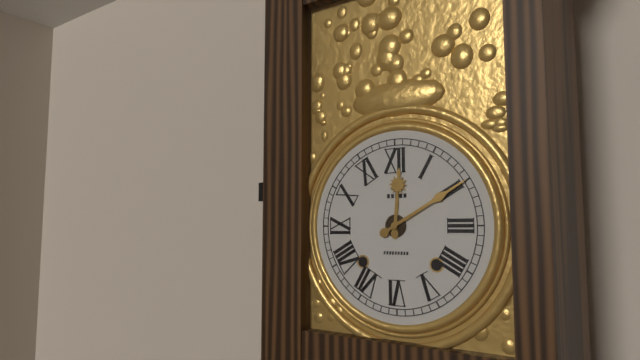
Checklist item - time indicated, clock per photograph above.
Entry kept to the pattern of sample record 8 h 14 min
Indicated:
12 h 10 min
